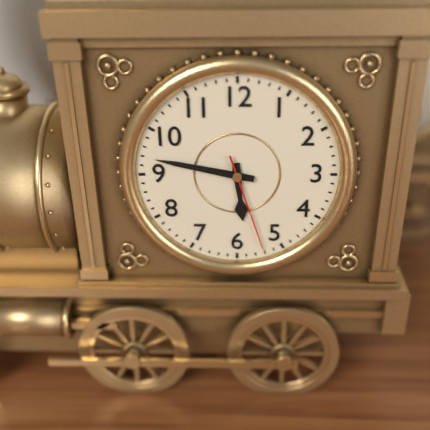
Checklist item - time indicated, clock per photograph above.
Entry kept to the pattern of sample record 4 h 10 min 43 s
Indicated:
5 h 47 min 27 s
